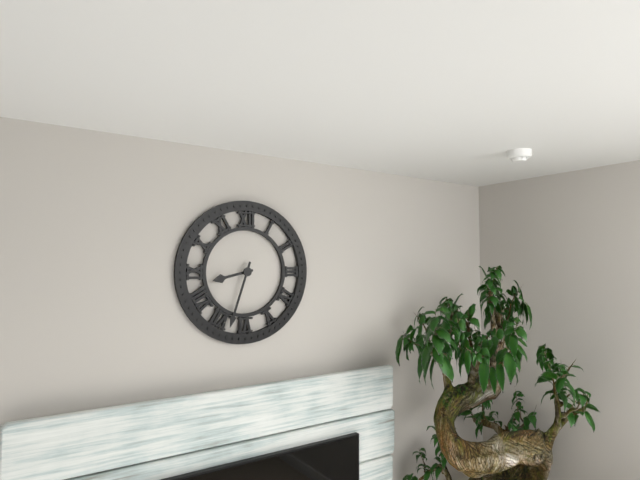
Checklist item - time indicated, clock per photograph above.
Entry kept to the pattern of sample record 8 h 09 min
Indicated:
8 h 33 min
